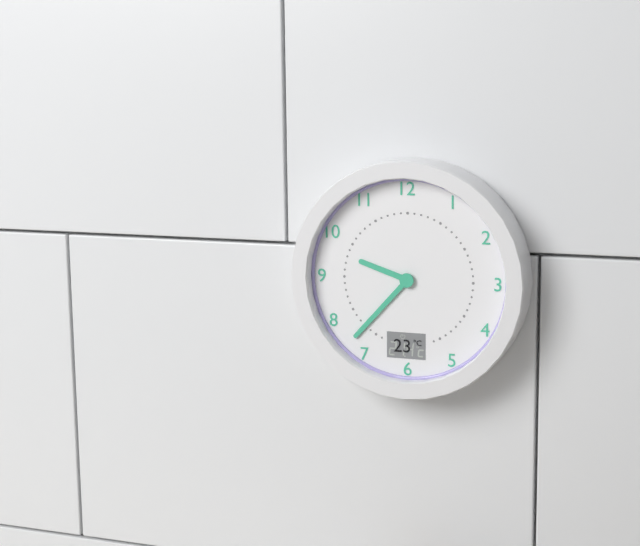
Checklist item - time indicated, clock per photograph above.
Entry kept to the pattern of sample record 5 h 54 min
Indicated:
9 h 37 min
